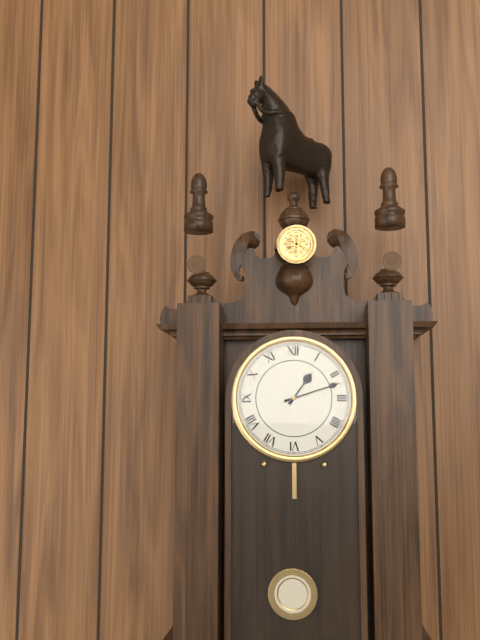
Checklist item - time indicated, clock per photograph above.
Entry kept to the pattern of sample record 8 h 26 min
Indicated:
1 h 12 min
